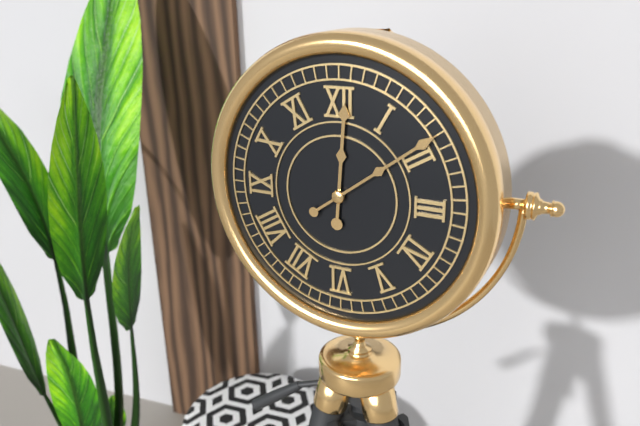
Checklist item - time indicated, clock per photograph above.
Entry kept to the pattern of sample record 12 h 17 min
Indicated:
12 h 09 min
